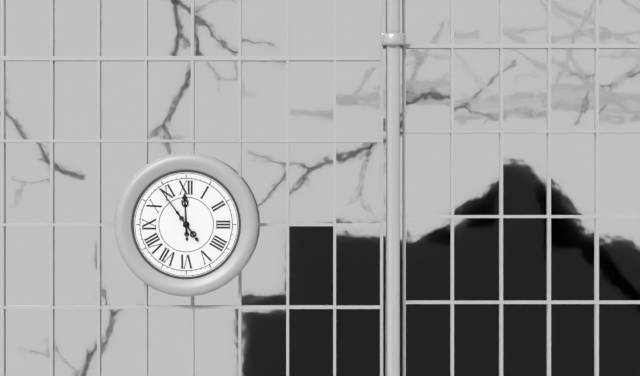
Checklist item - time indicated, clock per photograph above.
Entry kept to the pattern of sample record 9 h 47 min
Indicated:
11 h 54 min
